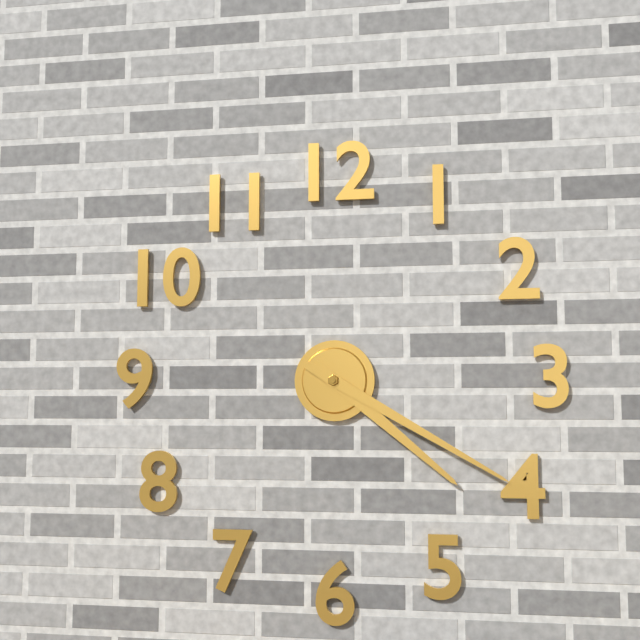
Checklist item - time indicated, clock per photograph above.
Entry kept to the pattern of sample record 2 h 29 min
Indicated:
4 h 20 min
